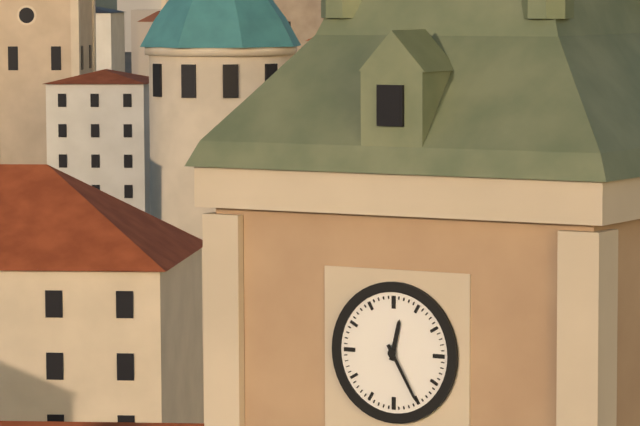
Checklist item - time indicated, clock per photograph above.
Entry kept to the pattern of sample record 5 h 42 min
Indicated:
12 h 25 min
